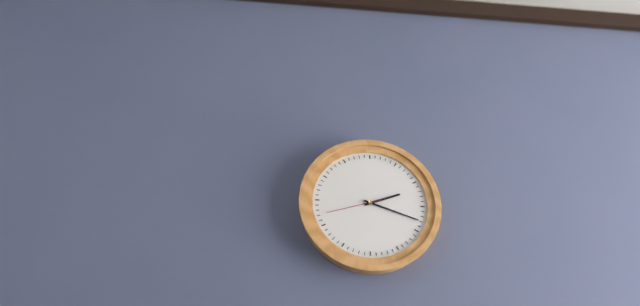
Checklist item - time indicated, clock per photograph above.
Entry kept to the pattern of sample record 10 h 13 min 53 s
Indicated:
2 h 18 min 42 s
